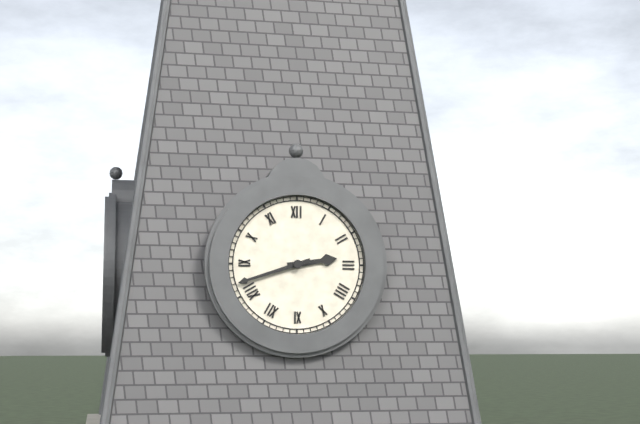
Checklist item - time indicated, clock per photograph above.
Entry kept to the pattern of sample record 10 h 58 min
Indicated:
2 h 42 min
